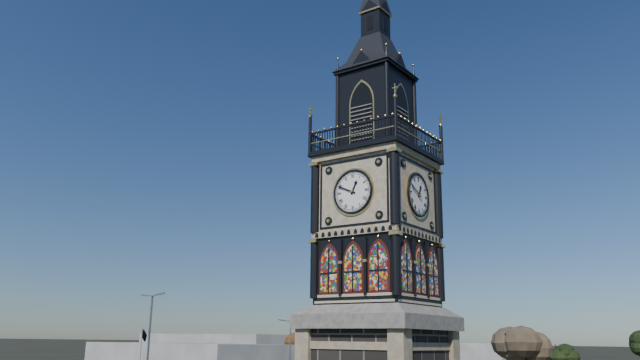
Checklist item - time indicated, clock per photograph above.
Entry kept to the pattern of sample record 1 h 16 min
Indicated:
12 h 49 min
